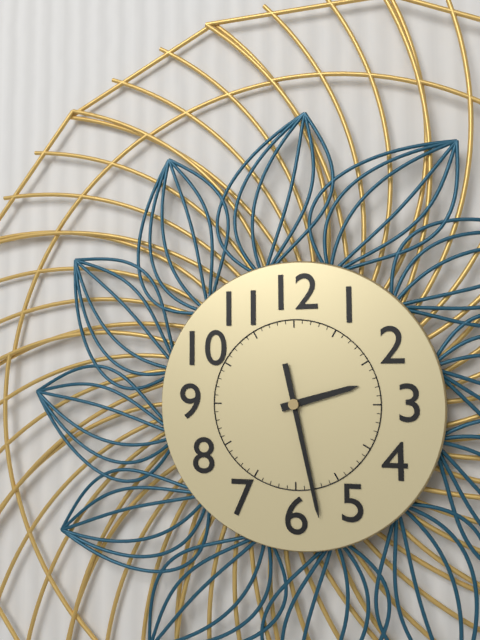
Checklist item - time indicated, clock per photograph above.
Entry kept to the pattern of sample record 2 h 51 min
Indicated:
2 h 28 min
